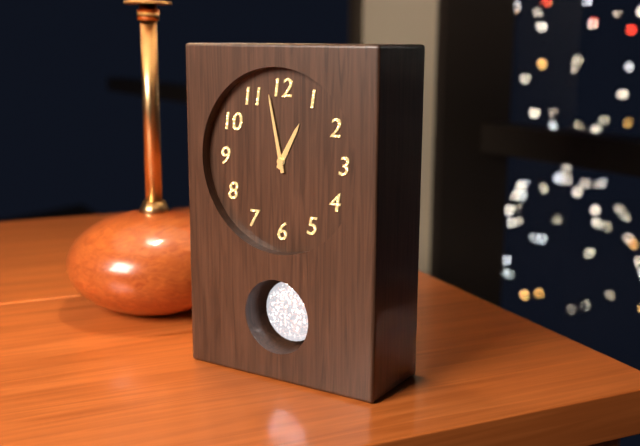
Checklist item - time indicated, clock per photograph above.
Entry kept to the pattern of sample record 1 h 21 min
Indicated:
12 h 58 min
